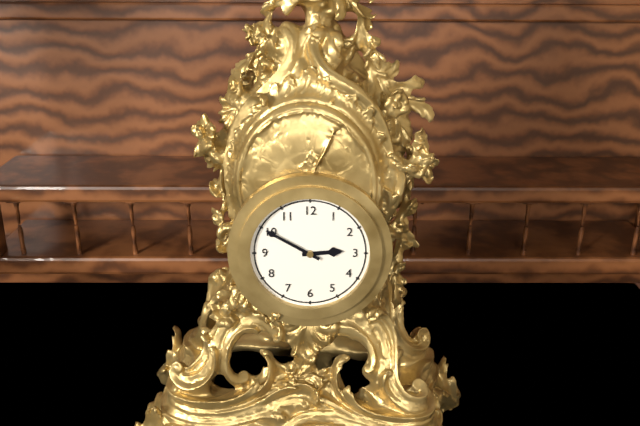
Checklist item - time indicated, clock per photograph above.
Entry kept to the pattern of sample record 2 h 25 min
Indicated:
2 h 50 min
